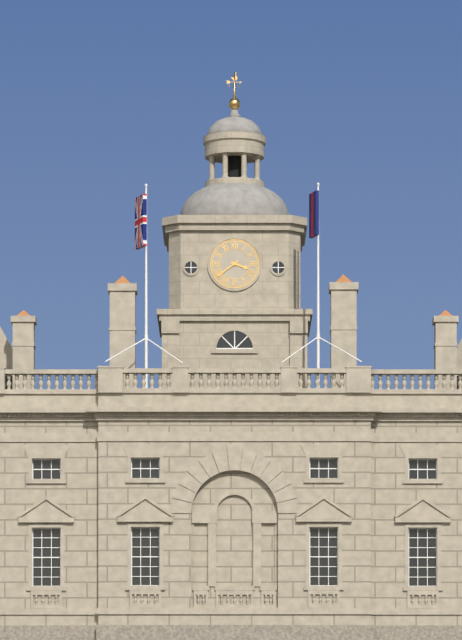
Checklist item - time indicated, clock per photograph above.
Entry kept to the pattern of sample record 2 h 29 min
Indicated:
3 h 39 min
